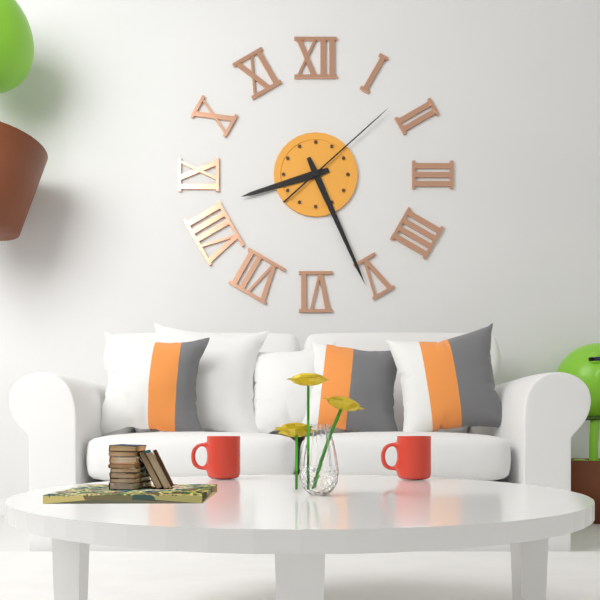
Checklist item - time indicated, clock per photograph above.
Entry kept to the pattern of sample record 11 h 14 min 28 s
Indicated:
8 h 26 min 08 s
